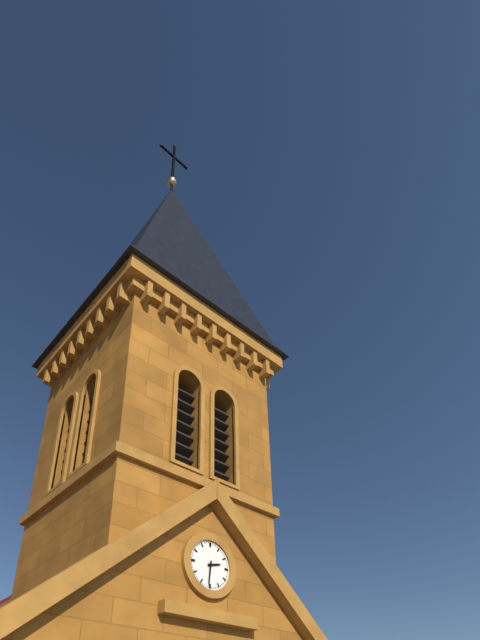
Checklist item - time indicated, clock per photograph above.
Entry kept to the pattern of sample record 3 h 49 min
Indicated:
2 h 31 min
